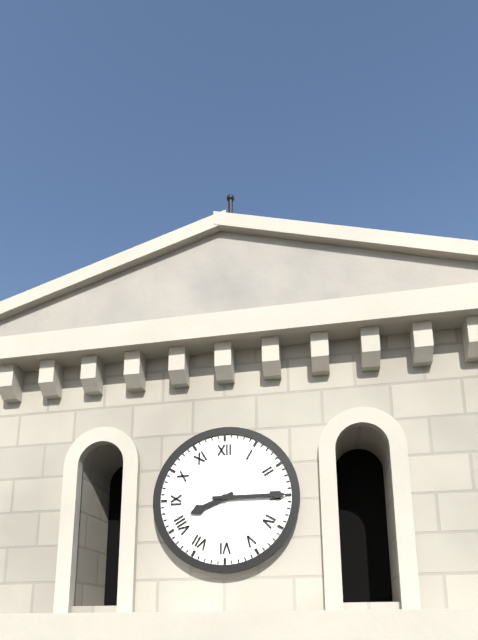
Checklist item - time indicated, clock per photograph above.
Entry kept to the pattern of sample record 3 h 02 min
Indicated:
8 h 15 min
